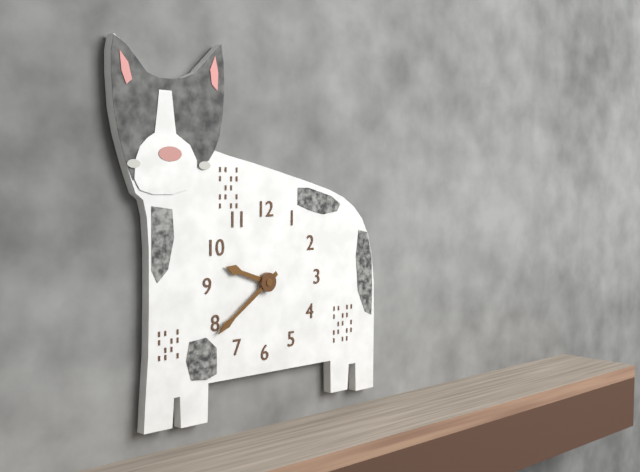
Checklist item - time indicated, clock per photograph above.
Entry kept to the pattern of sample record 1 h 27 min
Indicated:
9 h 39 min
